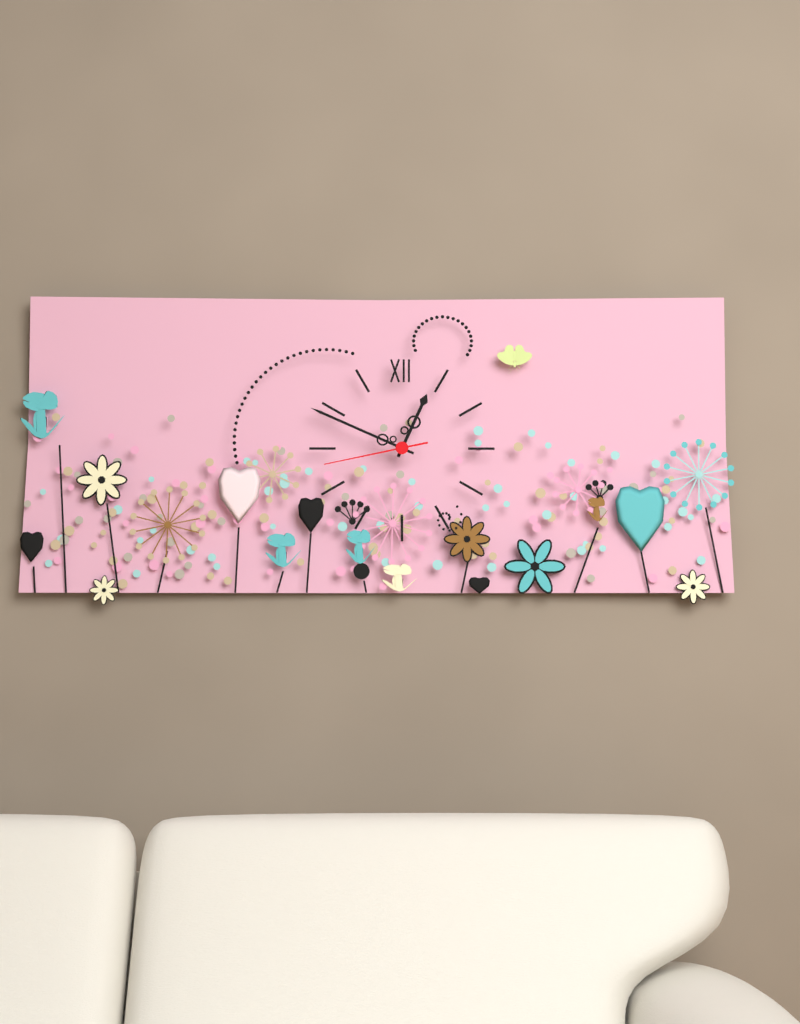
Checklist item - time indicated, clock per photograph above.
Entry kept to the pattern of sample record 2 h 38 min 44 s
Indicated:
12 h 49 min 43 s
